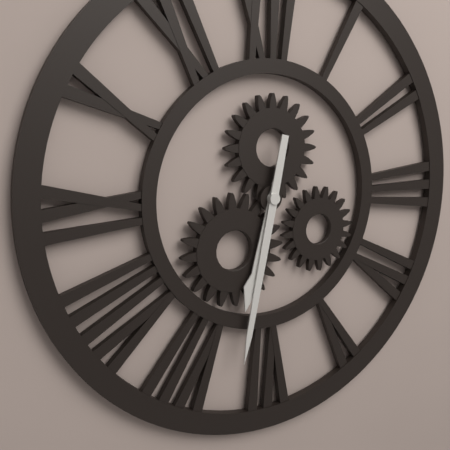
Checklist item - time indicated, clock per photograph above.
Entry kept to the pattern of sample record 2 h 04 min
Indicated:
6 h 32 min
